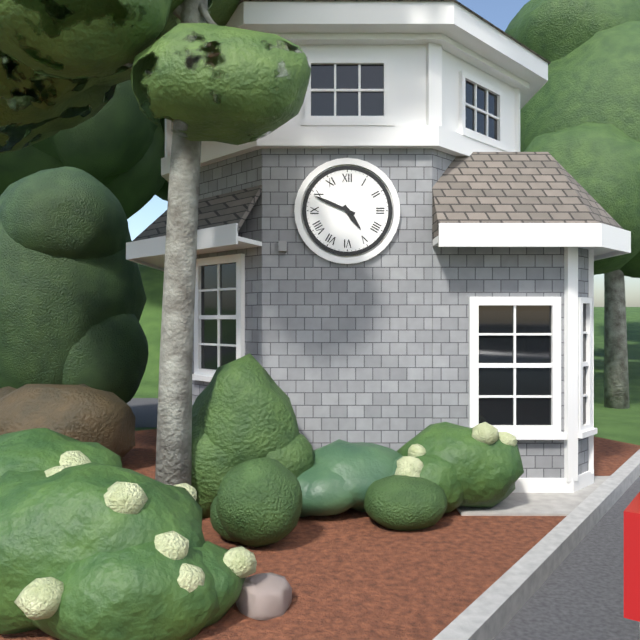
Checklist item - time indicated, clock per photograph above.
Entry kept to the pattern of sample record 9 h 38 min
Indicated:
4 h 49 min
